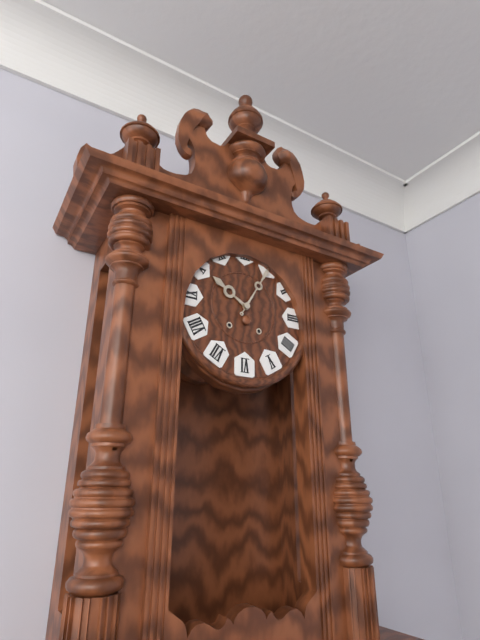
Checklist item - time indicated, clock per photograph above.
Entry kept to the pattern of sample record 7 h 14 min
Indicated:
10 h 05 min
